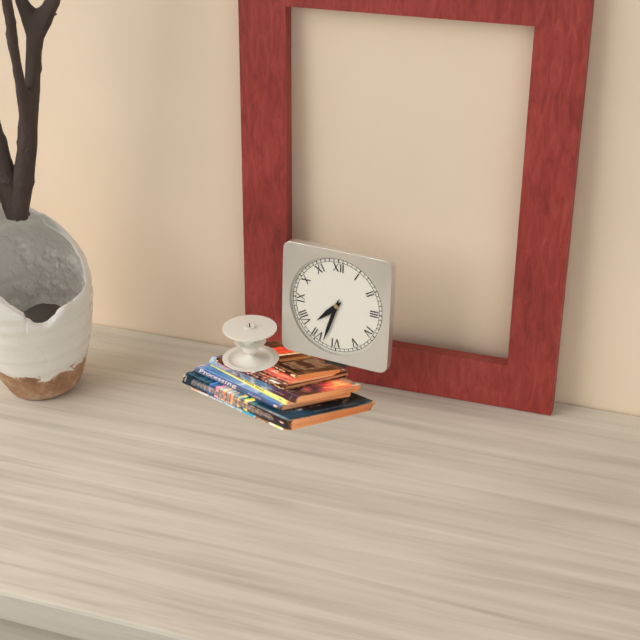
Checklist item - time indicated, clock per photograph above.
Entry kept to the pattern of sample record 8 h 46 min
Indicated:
7 h 33 min
